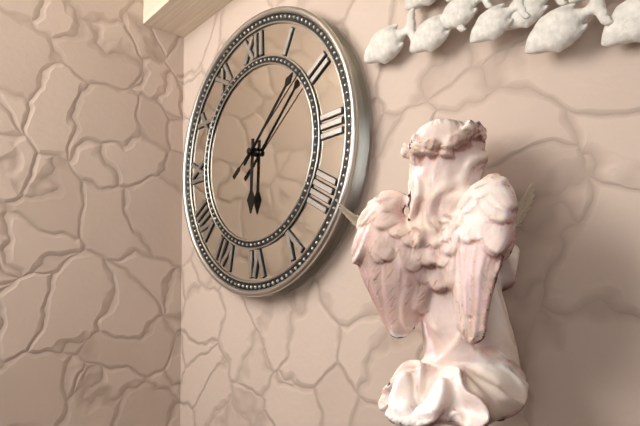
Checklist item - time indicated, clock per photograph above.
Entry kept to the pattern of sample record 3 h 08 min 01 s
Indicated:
6 h 08 min 09 s
